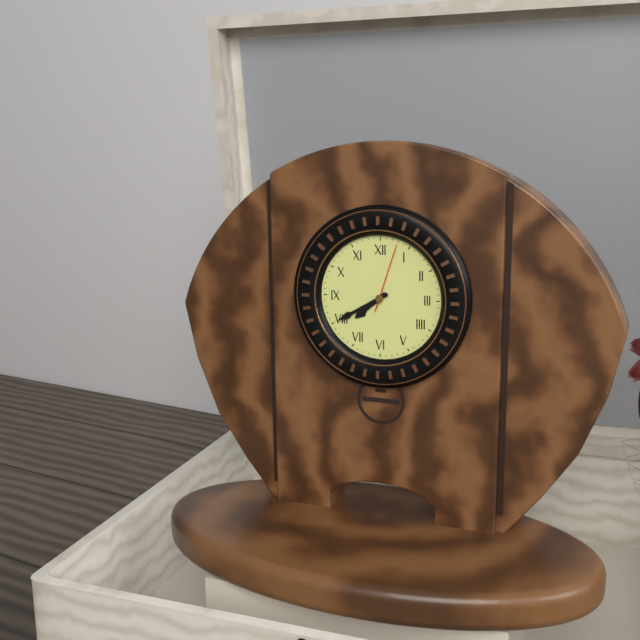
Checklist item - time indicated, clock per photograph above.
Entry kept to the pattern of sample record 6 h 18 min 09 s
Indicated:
7 h 40 min 03 s
